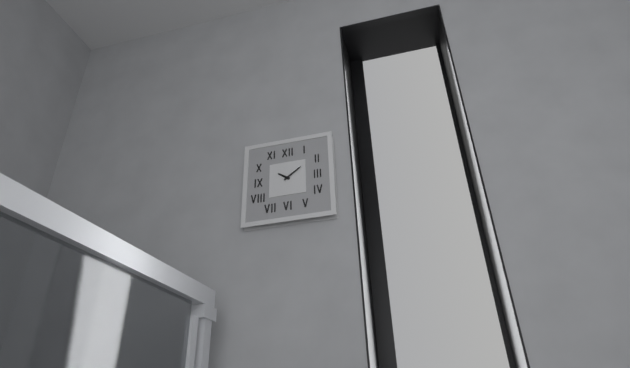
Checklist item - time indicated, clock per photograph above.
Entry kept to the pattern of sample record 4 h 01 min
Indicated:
10 h 09 min
